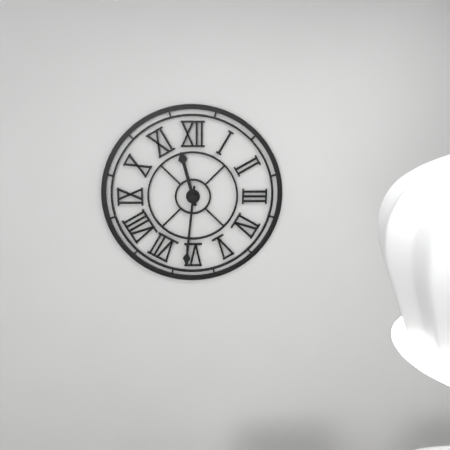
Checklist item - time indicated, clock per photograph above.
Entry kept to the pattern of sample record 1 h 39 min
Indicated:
11 h 31 min
